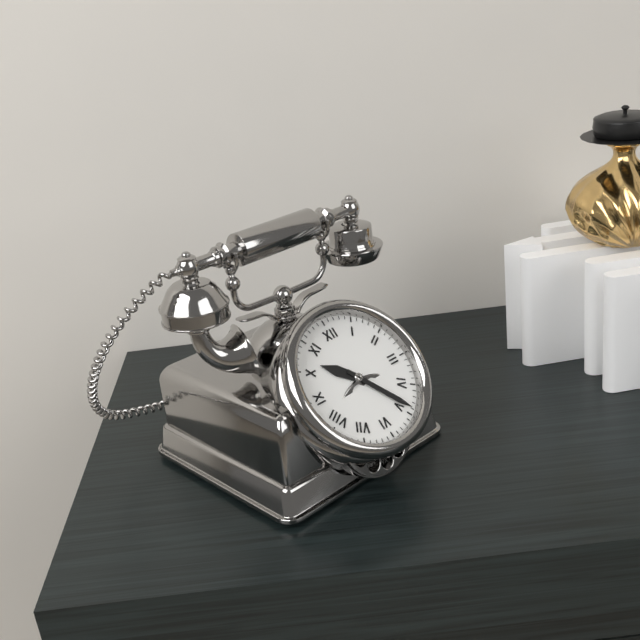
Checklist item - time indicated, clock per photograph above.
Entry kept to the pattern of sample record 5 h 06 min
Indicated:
10 h 24 min
